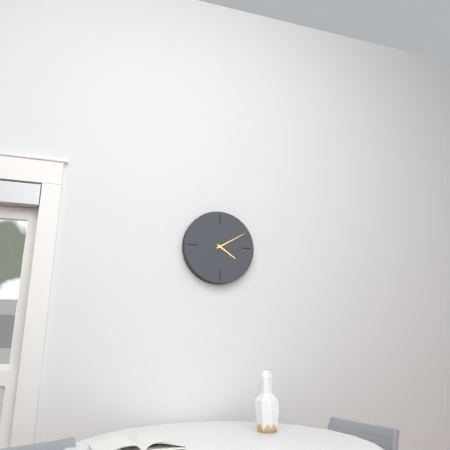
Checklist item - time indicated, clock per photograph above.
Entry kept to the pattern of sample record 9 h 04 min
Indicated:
4 h 10 min
